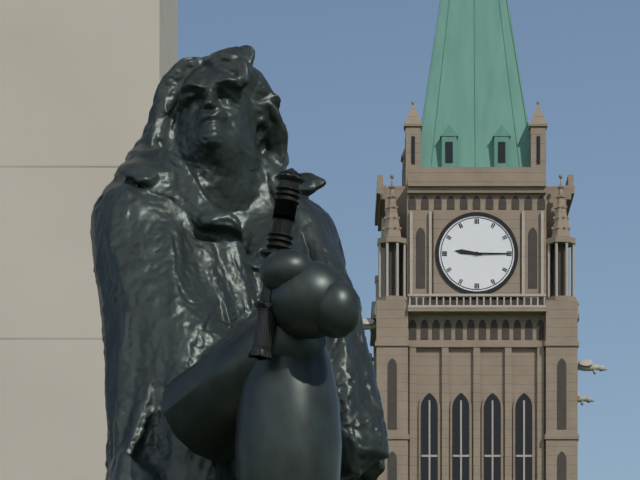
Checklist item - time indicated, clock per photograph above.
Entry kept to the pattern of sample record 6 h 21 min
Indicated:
9 h 15 min
